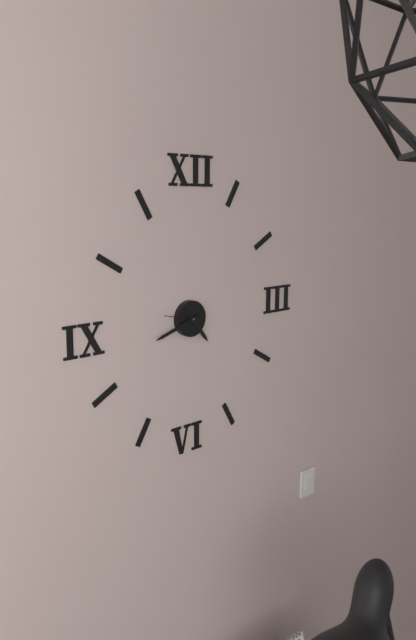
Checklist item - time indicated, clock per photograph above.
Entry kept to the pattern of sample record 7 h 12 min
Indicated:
4 h 42 min
